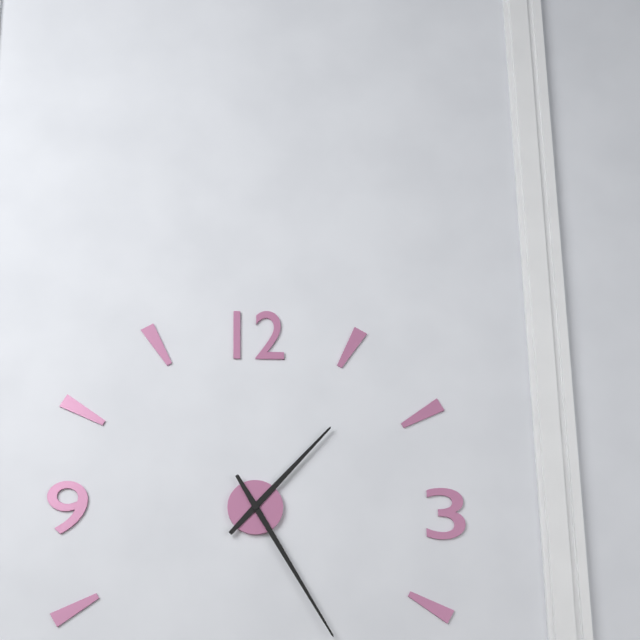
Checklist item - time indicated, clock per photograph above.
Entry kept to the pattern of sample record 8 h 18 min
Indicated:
1 h 25 min
